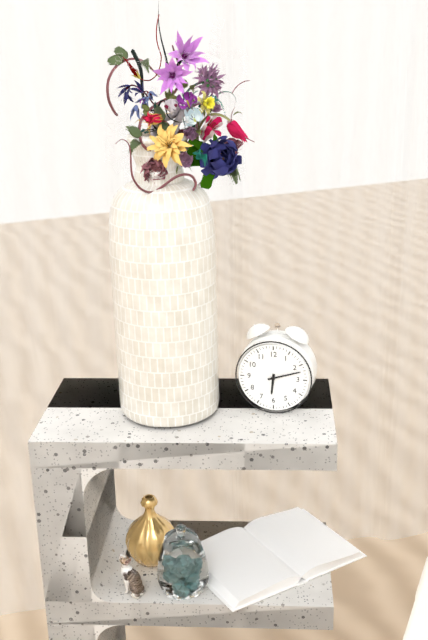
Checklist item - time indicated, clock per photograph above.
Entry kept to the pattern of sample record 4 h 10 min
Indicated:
6 h 12 min
